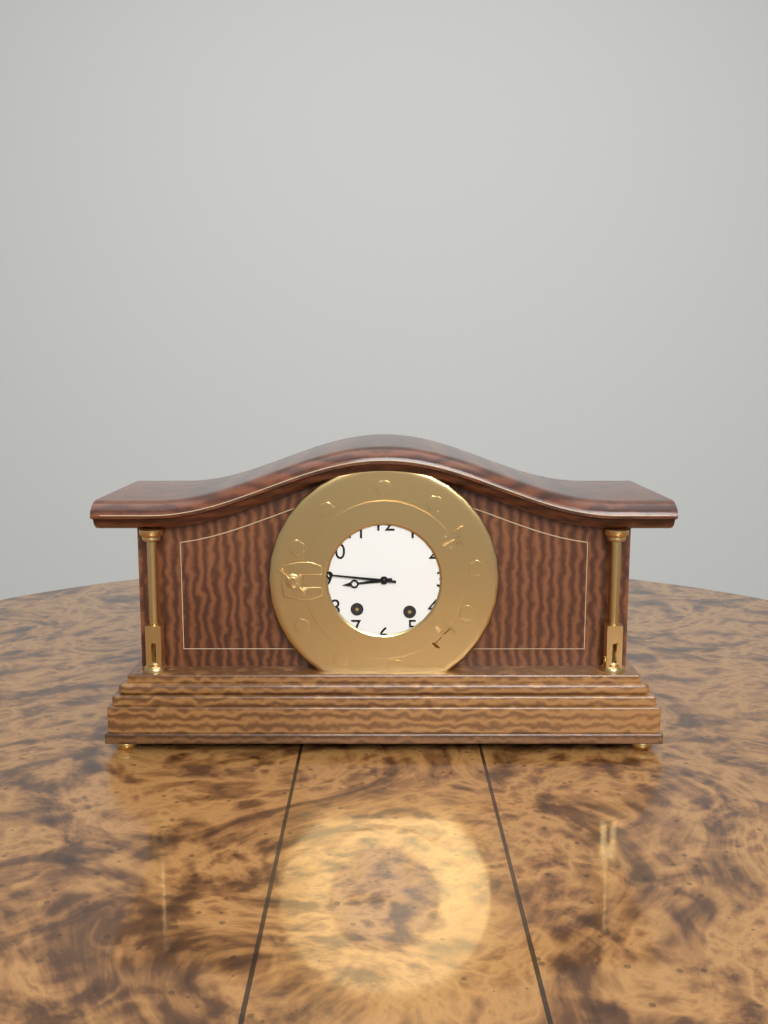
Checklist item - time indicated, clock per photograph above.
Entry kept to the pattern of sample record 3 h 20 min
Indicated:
8 h 46 min
